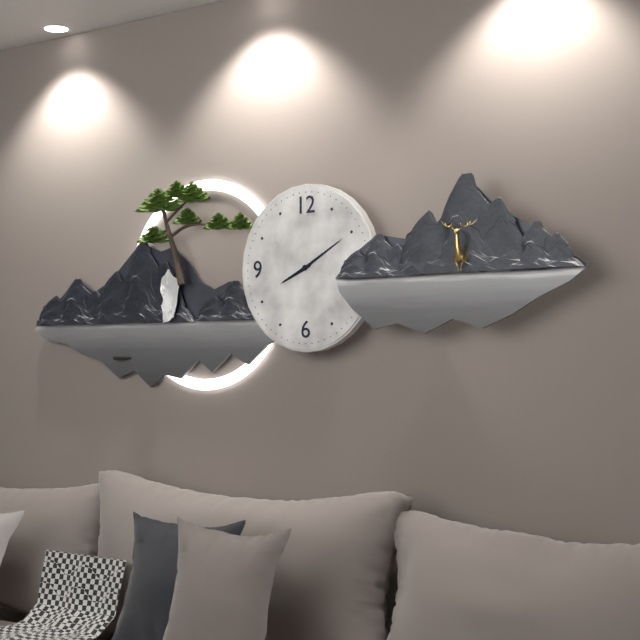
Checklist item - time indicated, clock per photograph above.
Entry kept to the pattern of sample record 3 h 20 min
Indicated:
8 h 10 min
